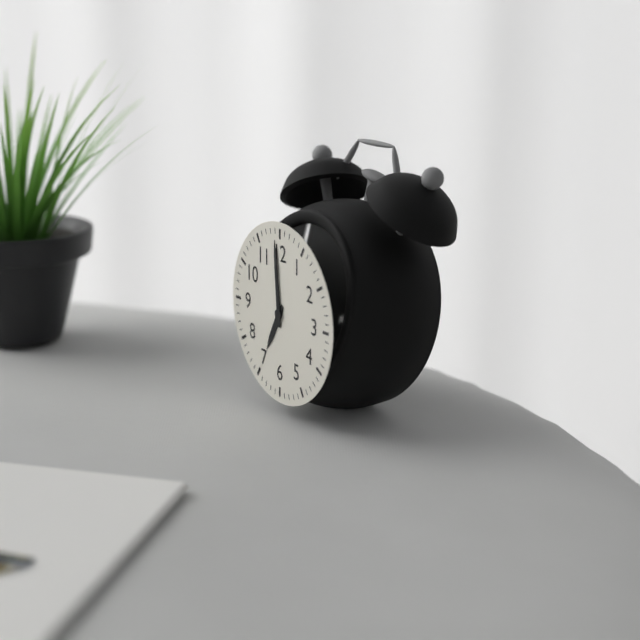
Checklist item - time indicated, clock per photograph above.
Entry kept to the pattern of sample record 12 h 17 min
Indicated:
6 h 59 min
